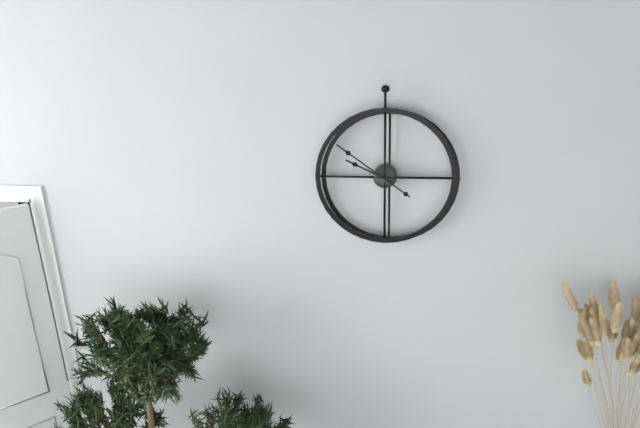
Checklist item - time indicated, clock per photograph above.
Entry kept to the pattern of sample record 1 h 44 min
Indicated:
9 h 51 min
